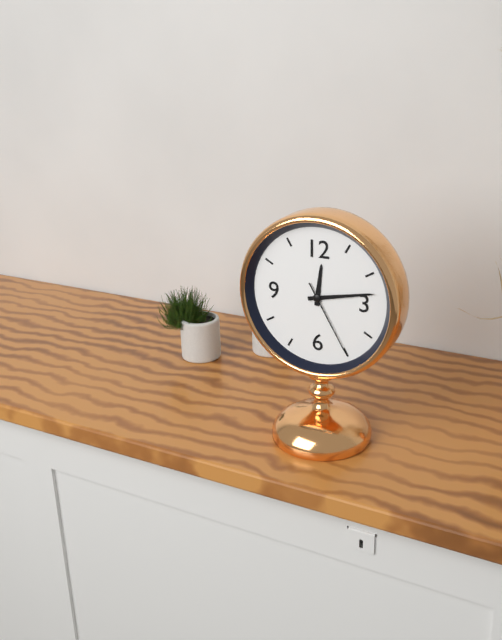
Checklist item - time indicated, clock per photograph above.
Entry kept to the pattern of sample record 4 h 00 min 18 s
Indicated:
12 h 13 min 25 s
